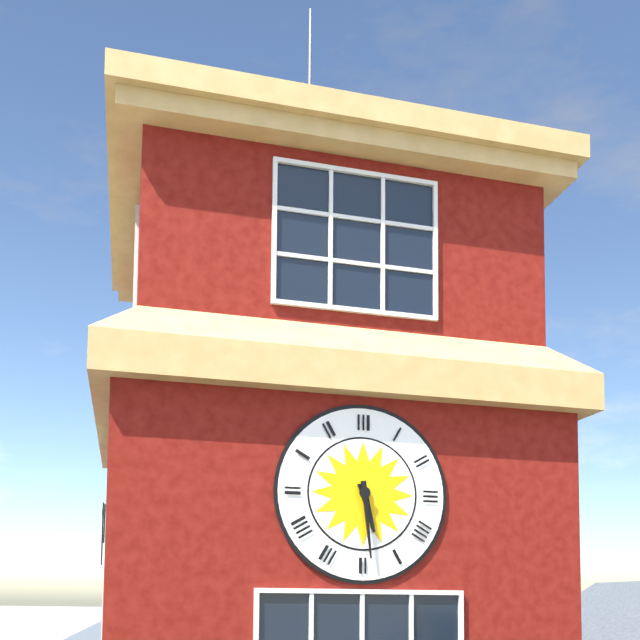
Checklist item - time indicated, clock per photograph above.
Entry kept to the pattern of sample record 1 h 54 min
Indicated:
5 h 29 min
